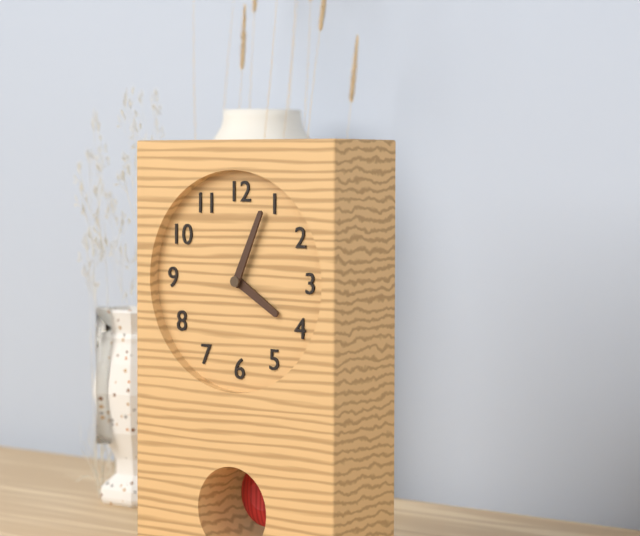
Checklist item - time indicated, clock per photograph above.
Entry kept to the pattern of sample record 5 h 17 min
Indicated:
4 h 04 min
